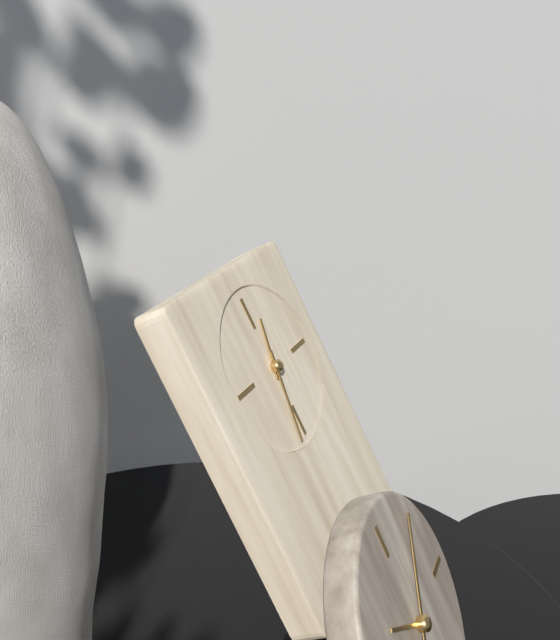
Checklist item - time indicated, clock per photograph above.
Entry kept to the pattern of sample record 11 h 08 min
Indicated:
12 h 32 min
